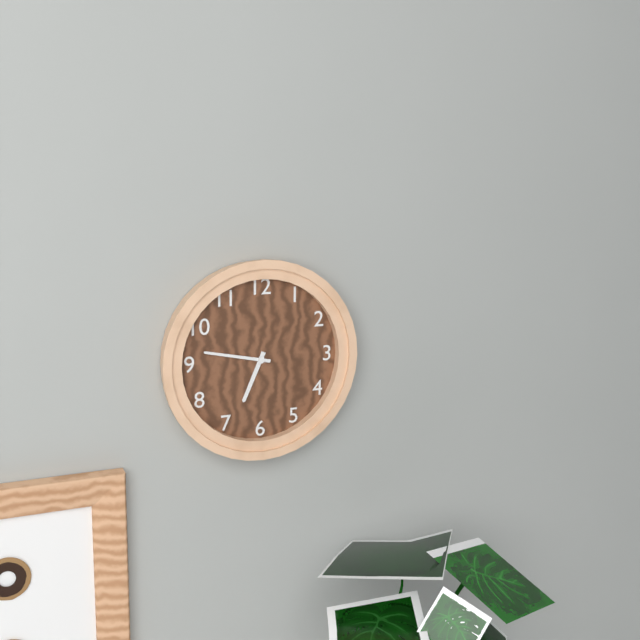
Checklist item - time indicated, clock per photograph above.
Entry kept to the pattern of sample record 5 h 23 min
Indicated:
6 h 47 min
